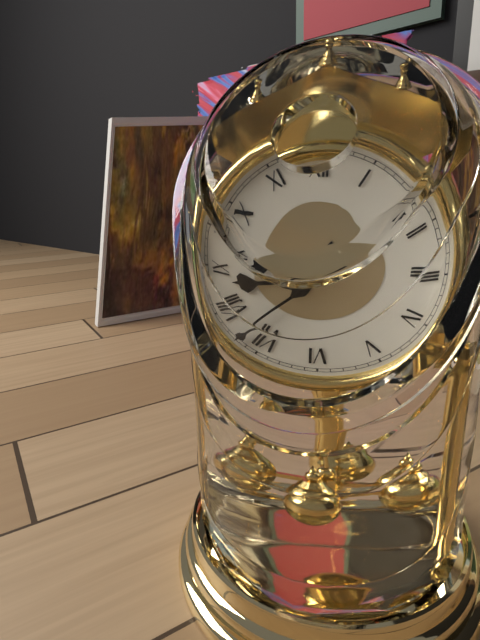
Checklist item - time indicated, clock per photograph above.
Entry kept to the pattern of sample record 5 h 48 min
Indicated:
8 h 37 min
